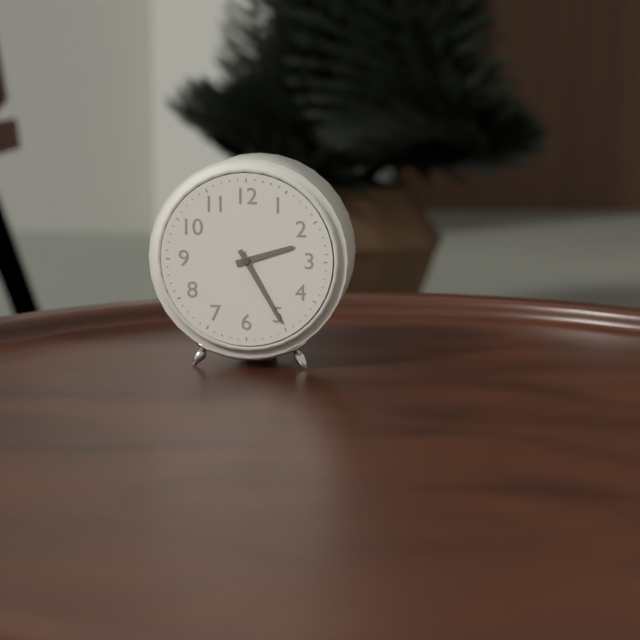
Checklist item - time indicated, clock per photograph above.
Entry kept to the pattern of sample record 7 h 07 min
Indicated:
2 h 25 min
